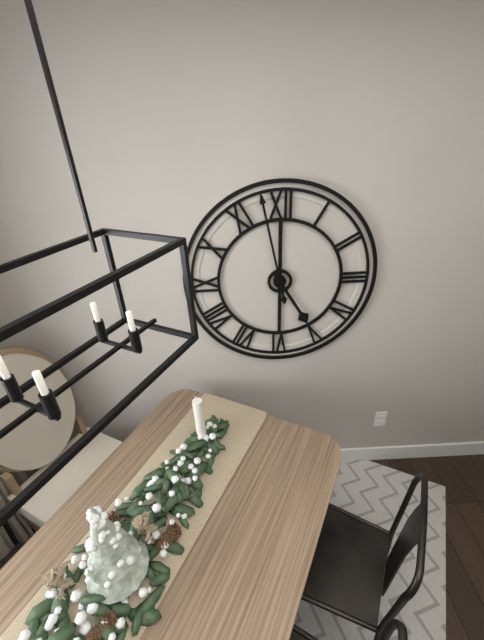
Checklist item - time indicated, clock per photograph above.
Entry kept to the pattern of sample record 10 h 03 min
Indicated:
4 h 58 min
